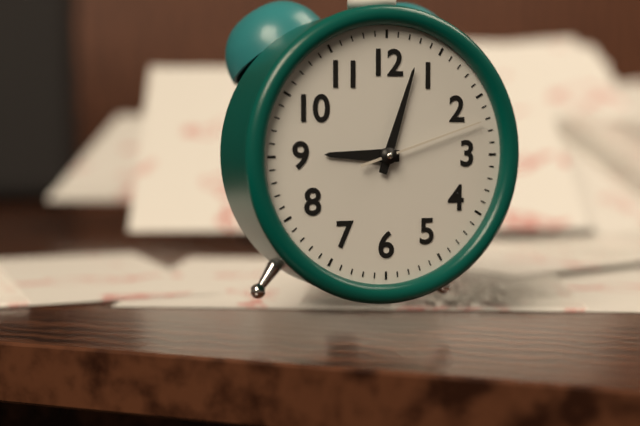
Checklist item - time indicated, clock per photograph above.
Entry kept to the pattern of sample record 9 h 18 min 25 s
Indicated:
9 h 03 min 12 s
